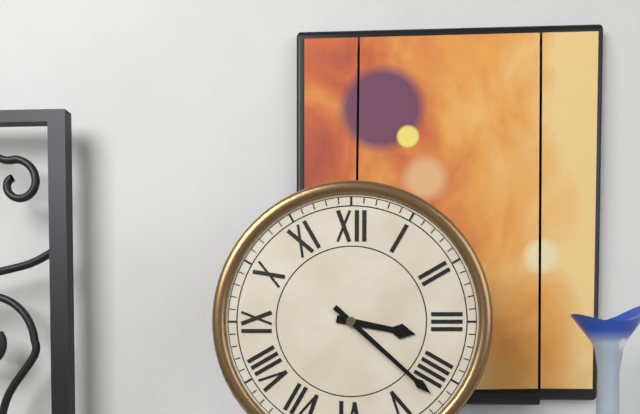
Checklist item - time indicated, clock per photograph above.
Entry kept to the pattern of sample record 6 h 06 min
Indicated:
3 h 22 min
